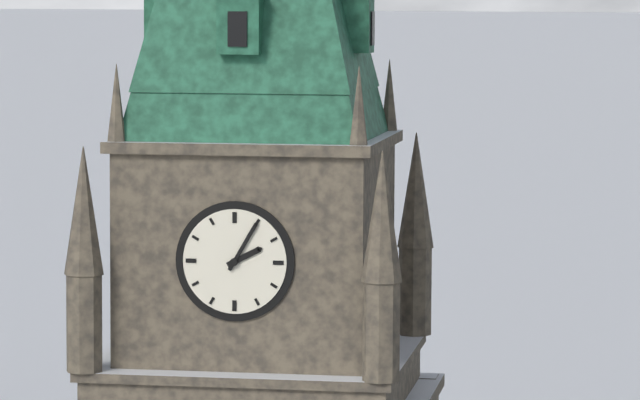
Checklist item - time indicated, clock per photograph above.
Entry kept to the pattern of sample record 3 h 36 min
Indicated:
2 h 05 min
